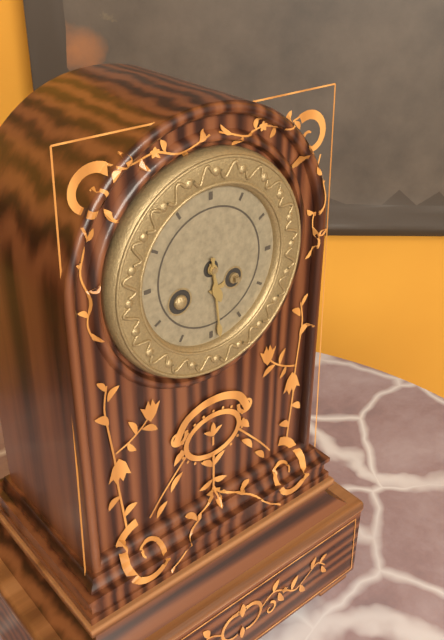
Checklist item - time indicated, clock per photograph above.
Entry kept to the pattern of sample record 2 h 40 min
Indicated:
5 h 29 min
